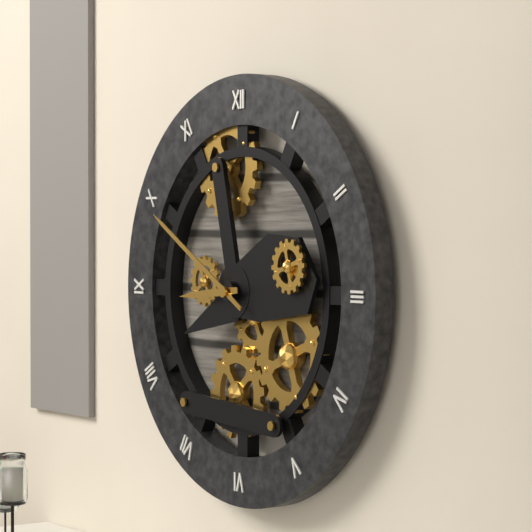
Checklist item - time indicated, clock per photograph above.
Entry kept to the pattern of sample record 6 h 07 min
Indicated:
8 h 50 min
